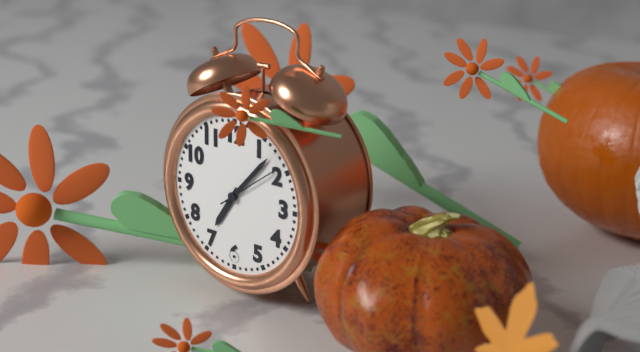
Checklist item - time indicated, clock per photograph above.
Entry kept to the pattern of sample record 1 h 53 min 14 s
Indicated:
7 h 07 min 09 s
